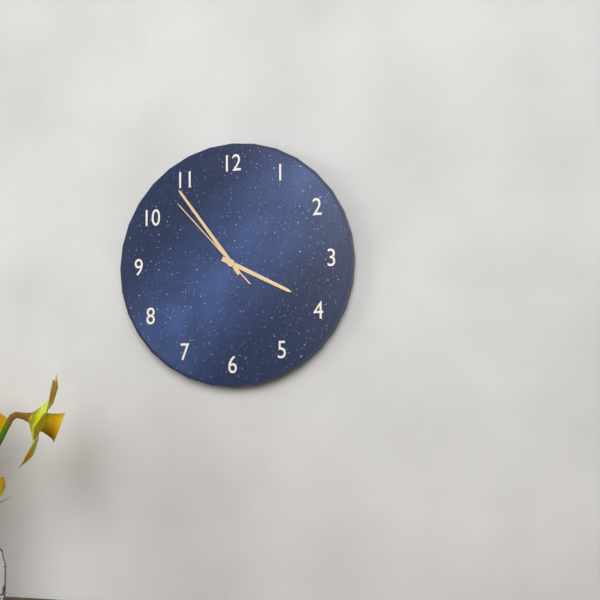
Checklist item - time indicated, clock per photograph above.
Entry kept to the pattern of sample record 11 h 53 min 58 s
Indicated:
3 h 54 min 53 s
